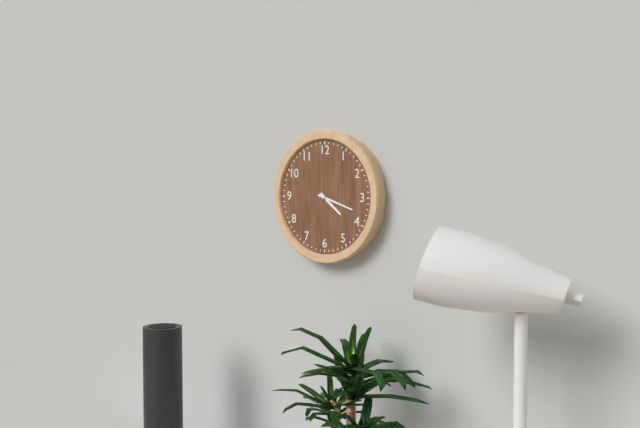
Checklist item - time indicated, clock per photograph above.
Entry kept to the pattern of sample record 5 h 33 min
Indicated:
4 h 18 min
